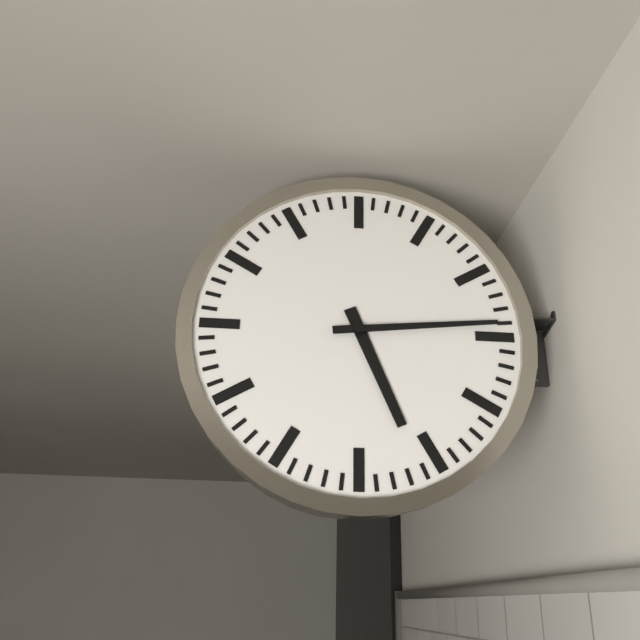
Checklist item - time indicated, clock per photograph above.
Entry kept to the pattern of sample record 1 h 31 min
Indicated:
5 h 14 min
